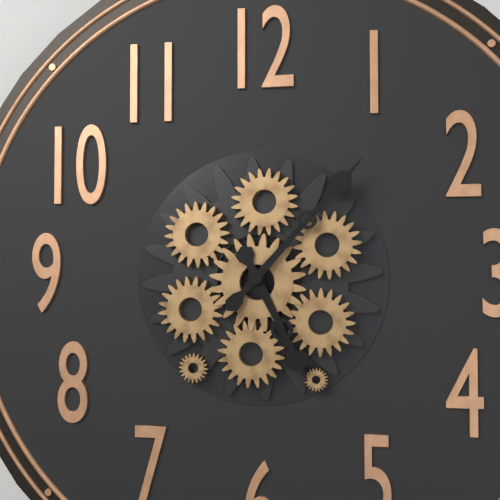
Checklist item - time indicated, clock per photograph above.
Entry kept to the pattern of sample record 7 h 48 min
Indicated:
5 h 07 min
